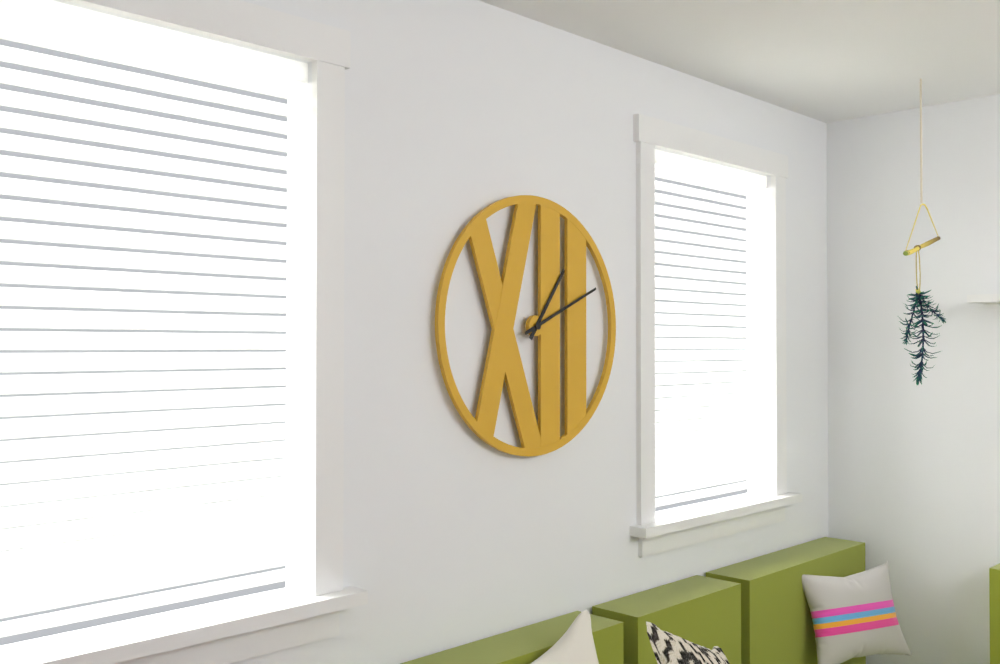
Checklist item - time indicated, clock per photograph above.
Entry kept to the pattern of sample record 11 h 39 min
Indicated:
1 h 11 min
